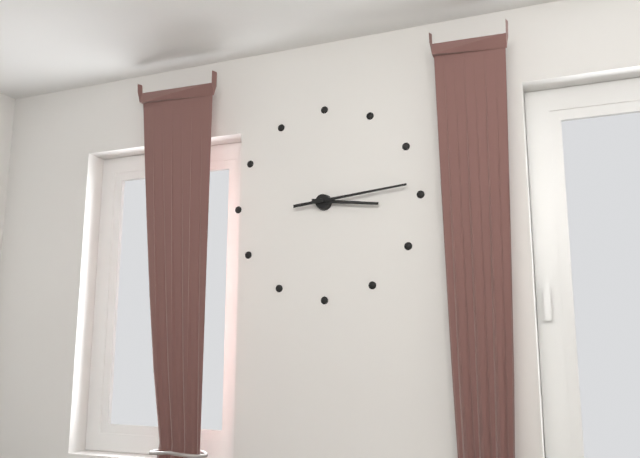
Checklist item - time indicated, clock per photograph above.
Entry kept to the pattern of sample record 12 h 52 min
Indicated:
3 h 14 min
